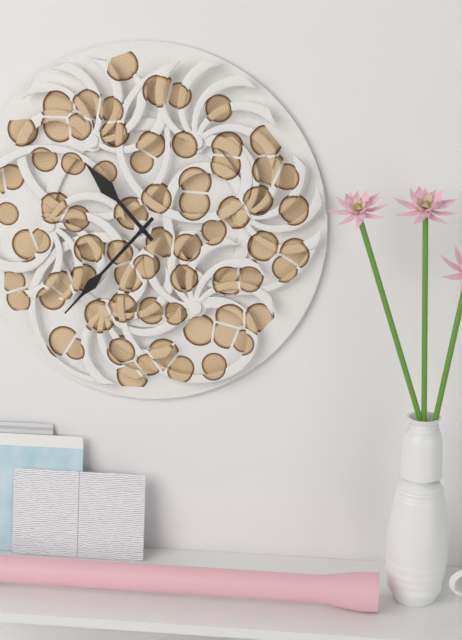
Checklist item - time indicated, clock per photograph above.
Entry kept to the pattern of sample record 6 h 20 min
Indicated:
10 h 37 min
